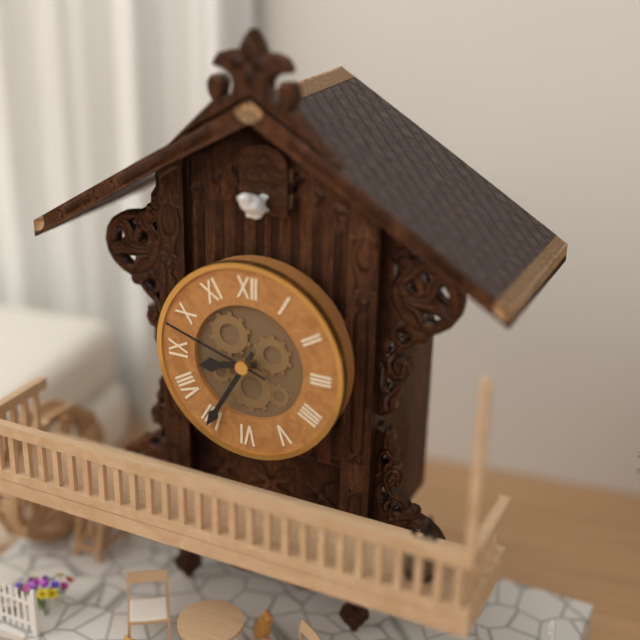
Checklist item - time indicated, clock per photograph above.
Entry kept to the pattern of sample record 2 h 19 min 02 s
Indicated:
8 h 35 min 48 s
